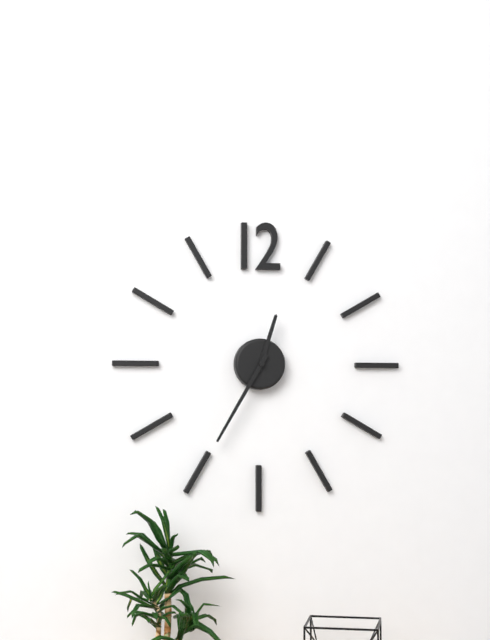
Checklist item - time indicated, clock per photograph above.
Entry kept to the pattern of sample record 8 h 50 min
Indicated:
12 h 35 min
